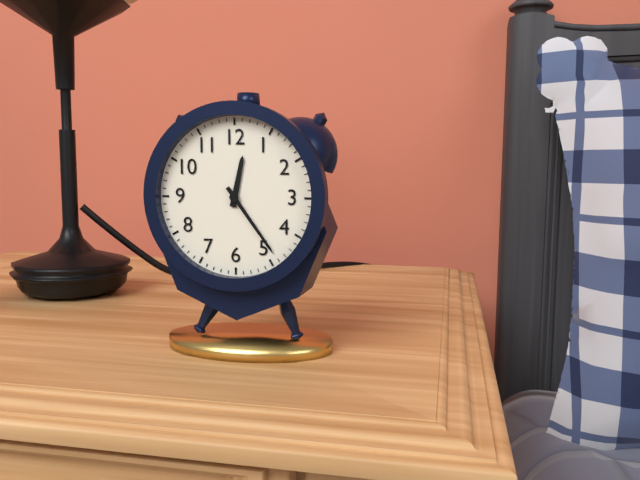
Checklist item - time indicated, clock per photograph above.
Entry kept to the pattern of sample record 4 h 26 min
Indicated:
12 h 24 min
